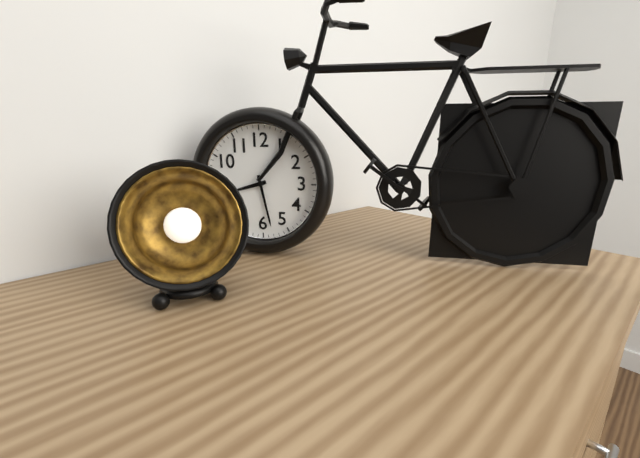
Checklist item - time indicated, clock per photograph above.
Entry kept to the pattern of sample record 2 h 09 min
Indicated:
8 h 28 min
